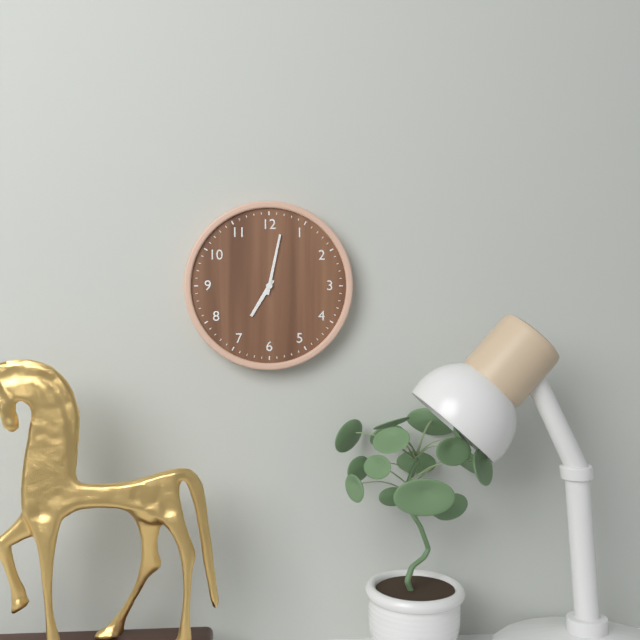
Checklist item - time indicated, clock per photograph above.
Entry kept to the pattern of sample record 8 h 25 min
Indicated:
7 h 02 min
